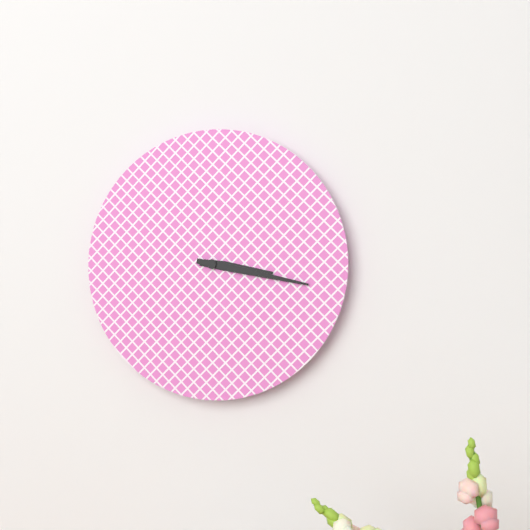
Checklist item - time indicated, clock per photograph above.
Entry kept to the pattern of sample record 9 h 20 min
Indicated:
3 h 17 min
